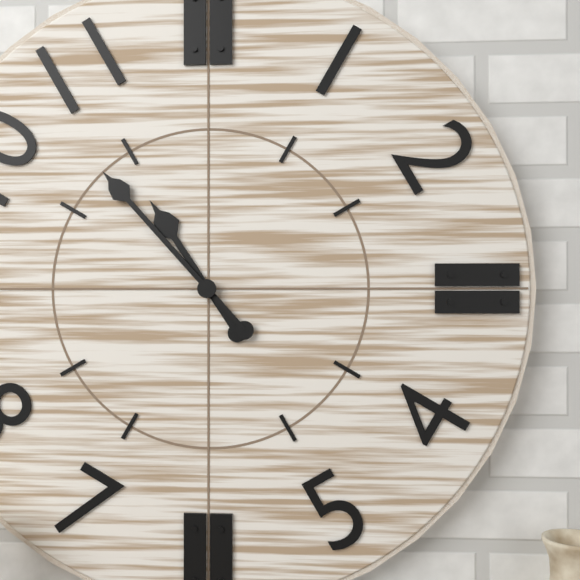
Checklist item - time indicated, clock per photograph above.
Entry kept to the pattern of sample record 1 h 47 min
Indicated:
10 h 53 min
